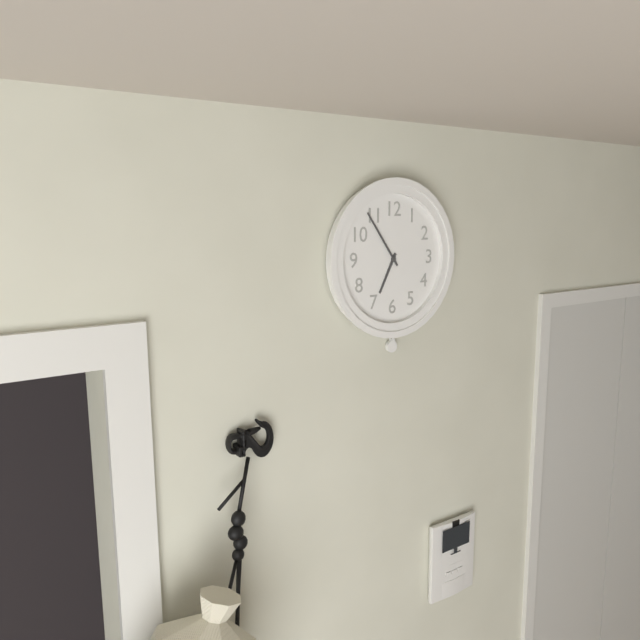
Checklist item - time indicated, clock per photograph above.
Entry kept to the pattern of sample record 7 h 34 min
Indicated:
6 h 54 min
